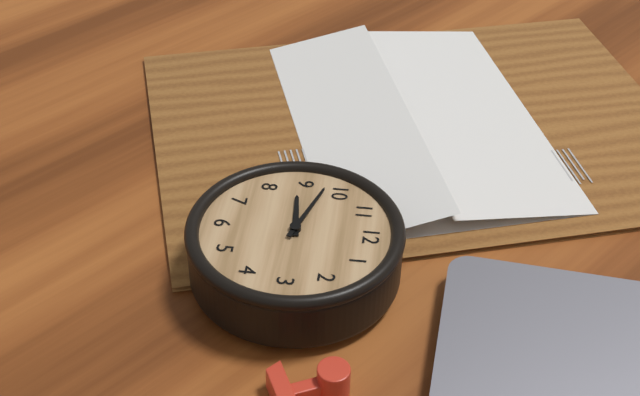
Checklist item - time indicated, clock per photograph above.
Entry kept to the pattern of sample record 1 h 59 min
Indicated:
8 h 48 min
